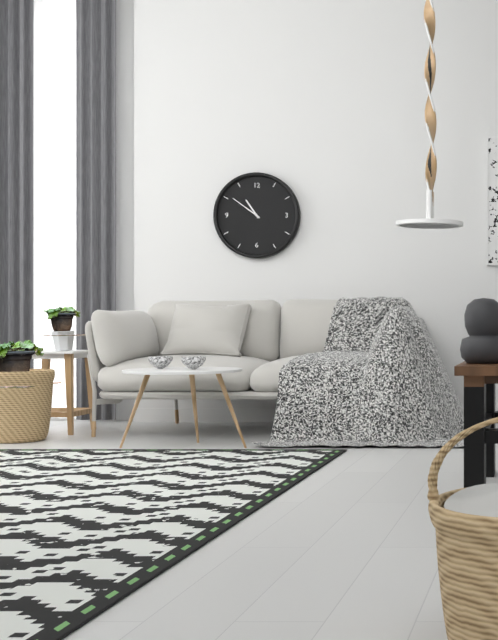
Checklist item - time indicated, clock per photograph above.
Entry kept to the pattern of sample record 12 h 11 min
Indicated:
10 h 51 min
